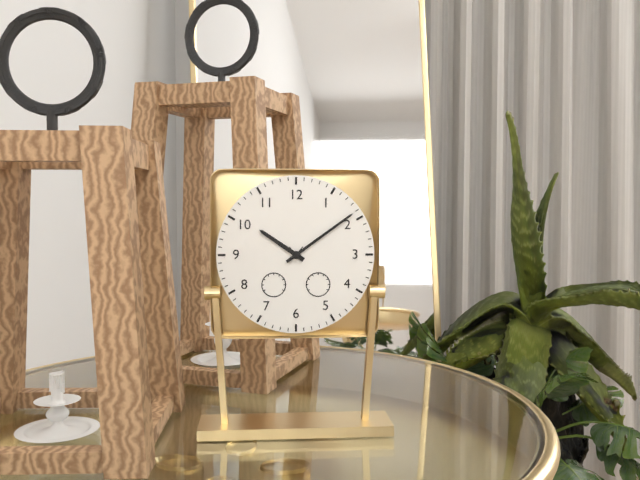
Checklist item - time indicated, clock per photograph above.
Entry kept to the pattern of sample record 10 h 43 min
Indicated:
10 h 09 min
